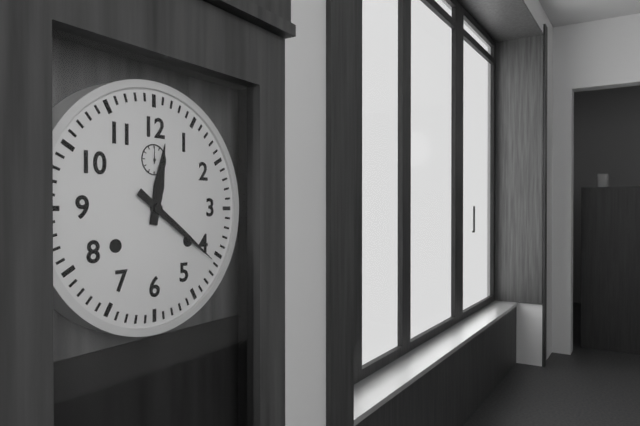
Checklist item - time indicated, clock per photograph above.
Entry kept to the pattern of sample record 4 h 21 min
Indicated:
12 h 21 min
